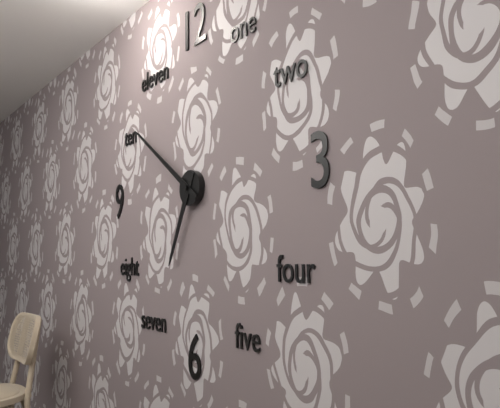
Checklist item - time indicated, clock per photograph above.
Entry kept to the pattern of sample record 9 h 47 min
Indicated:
6 h 51 min
